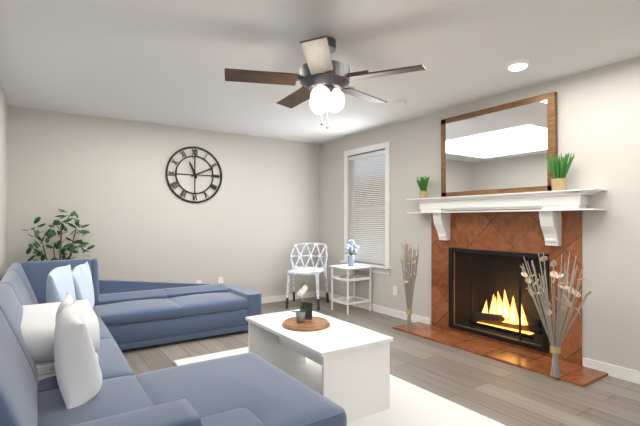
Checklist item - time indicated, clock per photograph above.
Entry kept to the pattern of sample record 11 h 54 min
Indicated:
11 h 11 min
